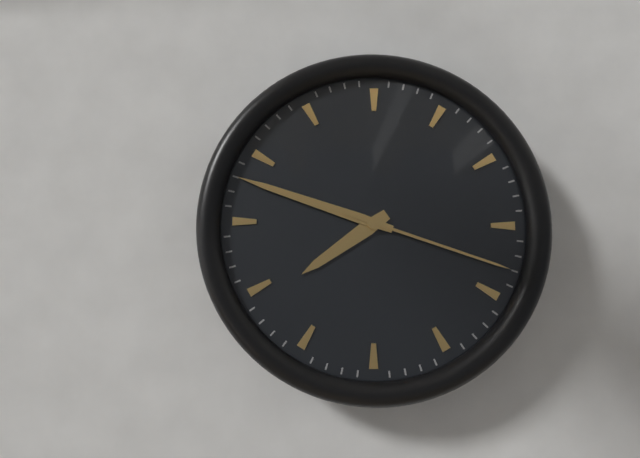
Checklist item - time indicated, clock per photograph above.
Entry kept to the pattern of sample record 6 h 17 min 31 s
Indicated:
7 h 48 min 18 s
